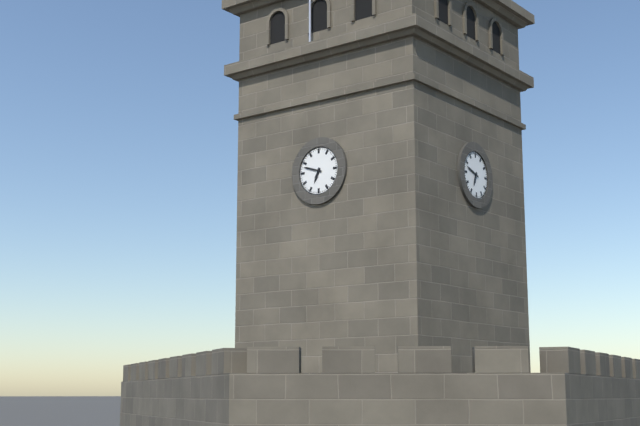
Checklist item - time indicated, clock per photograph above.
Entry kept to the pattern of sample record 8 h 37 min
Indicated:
6 h 48 min
